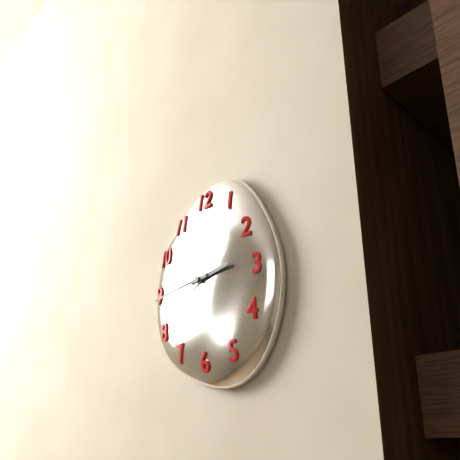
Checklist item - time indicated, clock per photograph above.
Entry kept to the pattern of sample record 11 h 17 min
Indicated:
2 h 44 min
